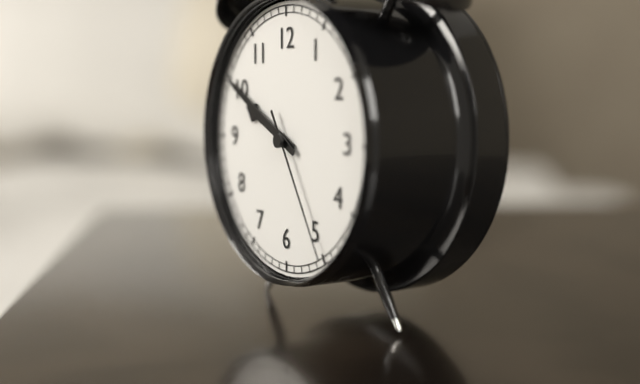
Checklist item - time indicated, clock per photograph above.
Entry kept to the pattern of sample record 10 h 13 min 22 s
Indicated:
9 h 50 min 25 s
